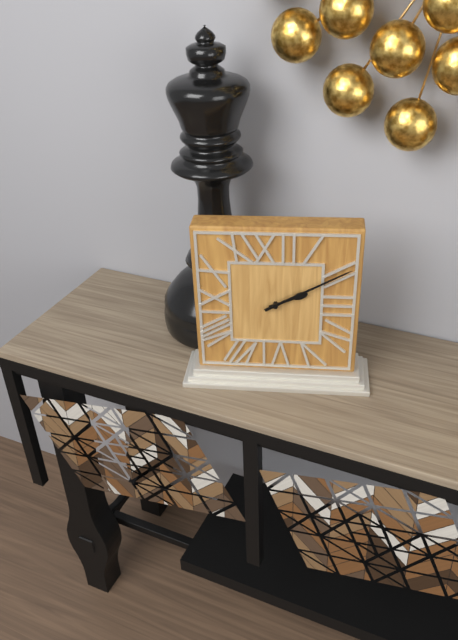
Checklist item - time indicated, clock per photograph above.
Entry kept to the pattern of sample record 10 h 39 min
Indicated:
2 h 10 min
